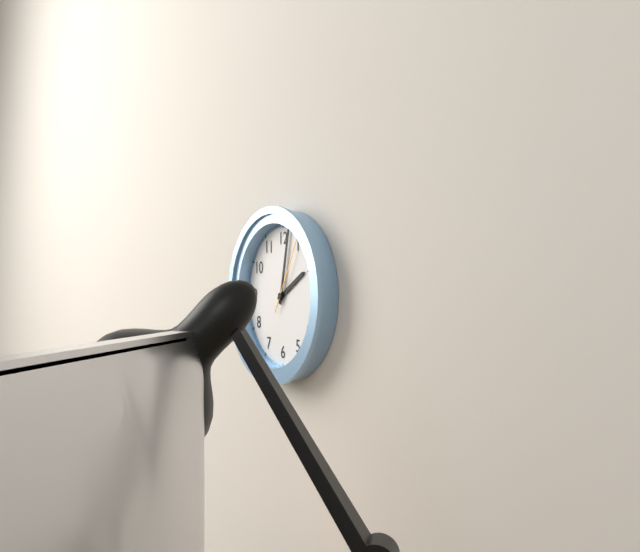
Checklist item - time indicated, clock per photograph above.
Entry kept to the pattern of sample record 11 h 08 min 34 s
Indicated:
2 h 02 min 05 s
